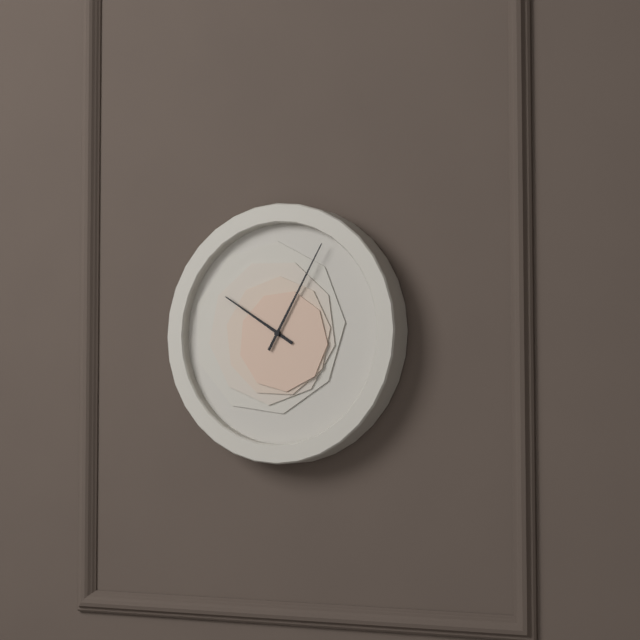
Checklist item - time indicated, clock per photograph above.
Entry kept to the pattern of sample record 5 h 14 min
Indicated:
10 h 05 min
